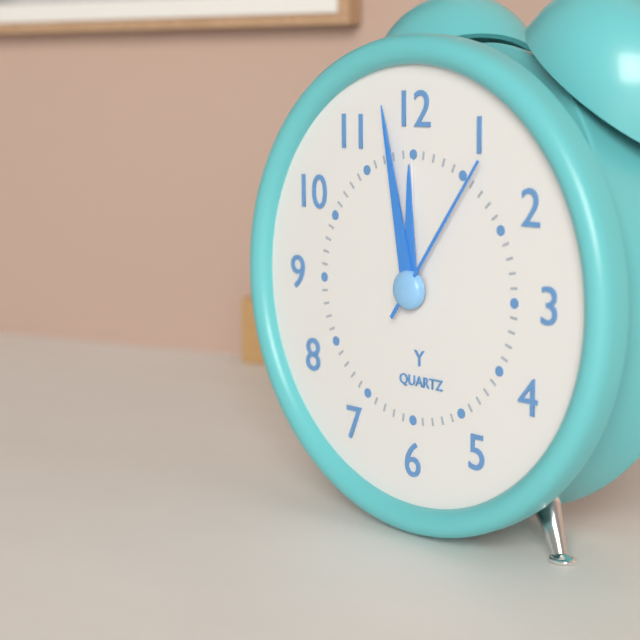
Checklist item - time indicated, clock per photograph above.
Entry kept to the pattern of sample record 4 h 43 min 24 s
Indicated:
11 h 58 min 06 s
